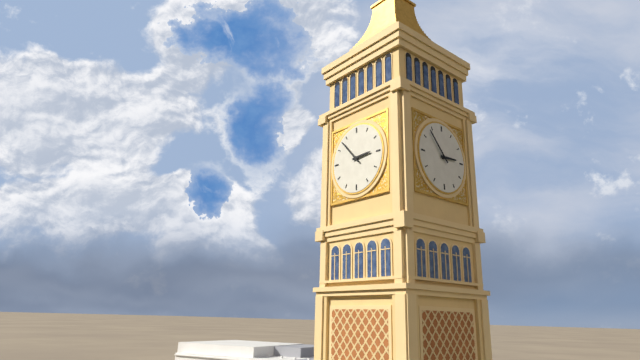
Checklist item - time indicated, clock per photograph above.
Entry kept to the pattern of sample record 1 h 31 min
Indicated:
2 h 53 min
